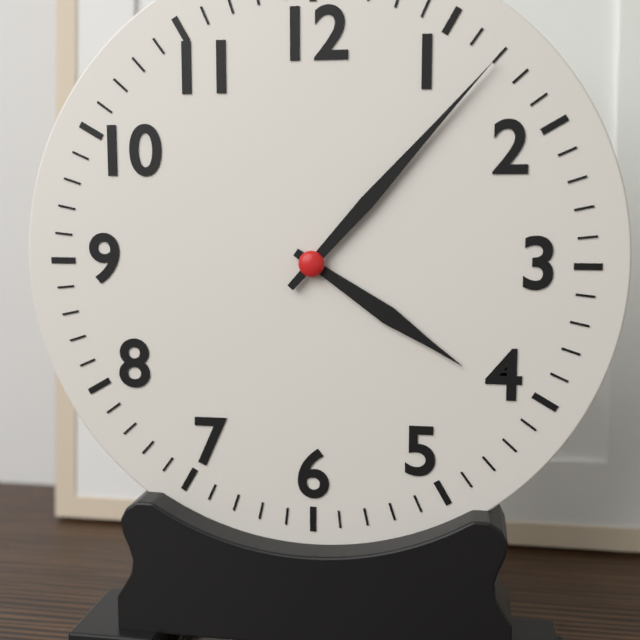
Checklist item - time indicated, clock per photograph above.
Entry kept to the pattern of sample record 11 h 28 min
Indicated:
4 h 07 min
